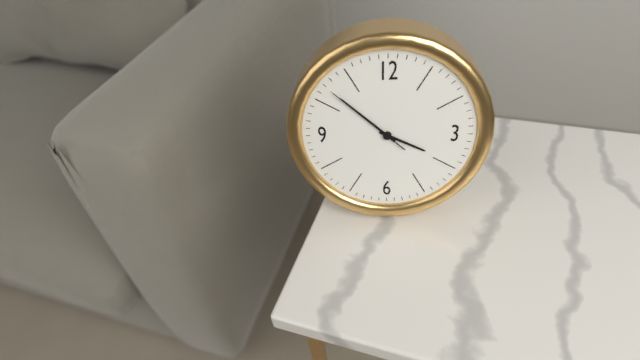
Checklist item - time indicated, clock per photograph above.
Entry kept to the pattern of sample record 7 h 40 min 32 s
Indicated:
3 h 52 min 52 s
